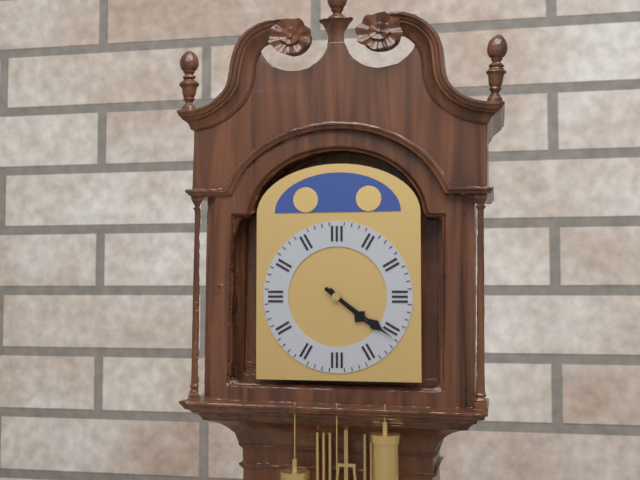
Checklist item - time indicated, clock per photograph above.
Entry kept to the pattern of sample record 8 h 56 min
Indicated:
4 h 21 min
